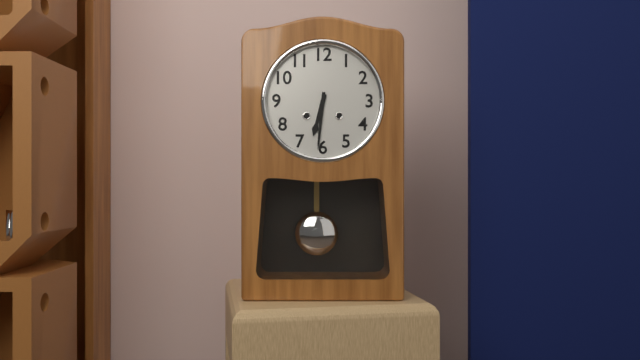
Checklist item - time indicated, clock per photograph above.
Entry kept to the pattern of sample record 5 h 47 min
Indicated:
6 h 31 min
